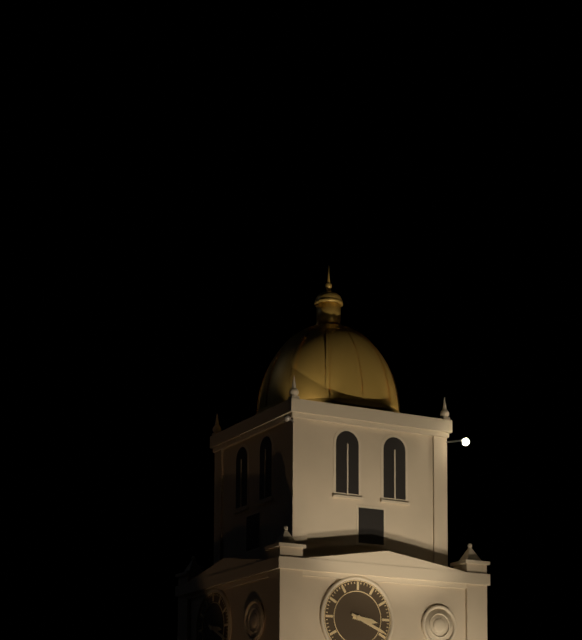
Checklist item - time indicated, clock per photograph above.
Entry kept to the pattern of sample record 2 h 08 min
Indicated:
3 h 19 min
